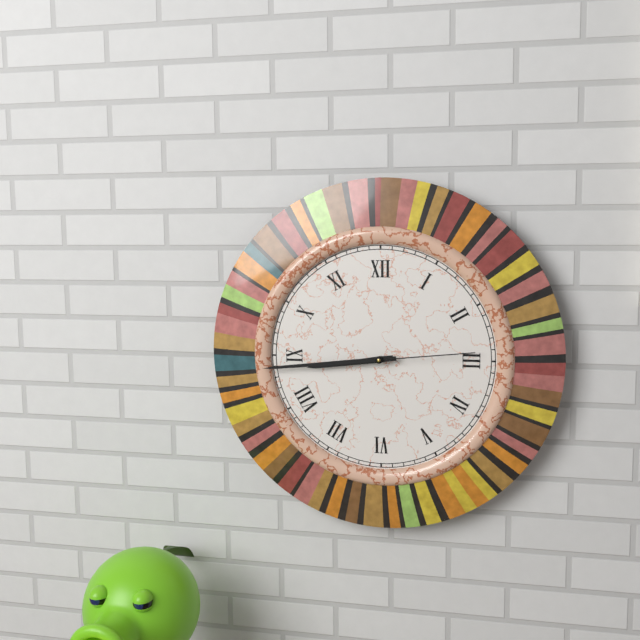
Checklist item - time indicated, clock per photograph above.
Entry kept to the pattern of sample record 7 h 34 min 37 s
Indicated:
8 h 44 min 14 s
